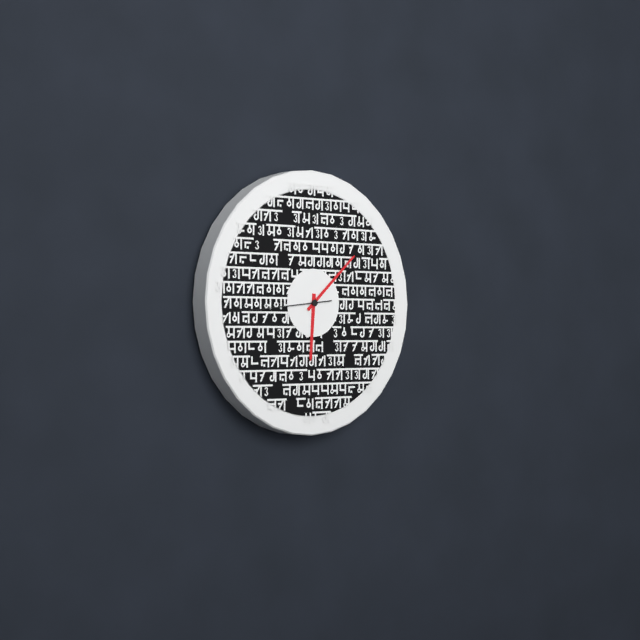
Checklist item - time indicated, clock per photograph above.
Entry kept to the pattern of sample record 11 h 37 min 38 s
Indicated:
6 h 08 min 44 s
